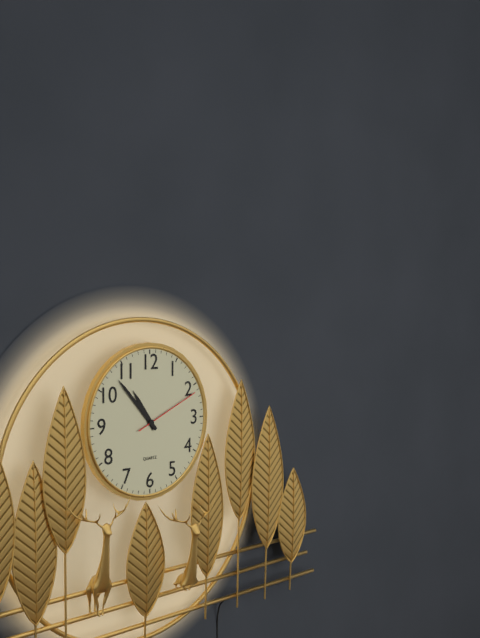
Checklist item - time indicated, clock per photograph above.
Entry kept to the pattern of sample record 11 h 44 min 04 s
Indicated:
10 h 53 min 11 s
